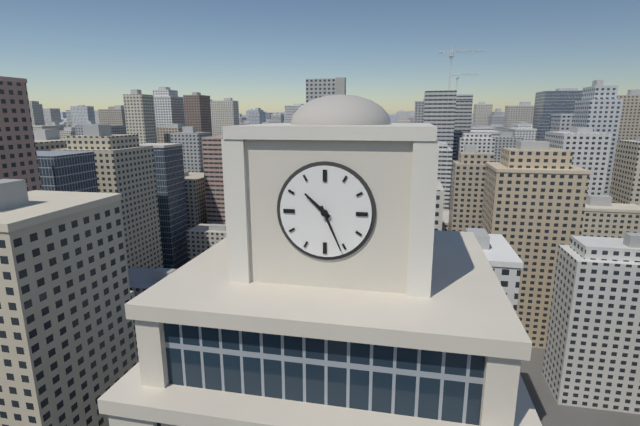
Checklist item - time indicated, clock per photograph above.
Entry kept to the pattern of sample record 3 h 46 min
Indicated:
10 h 26 min
